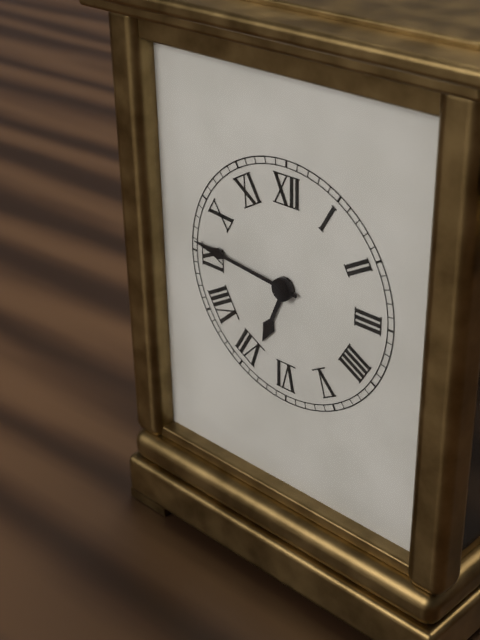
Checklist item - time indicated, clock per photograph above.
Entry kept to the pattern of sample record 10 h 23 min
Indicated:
6 h 46 min
